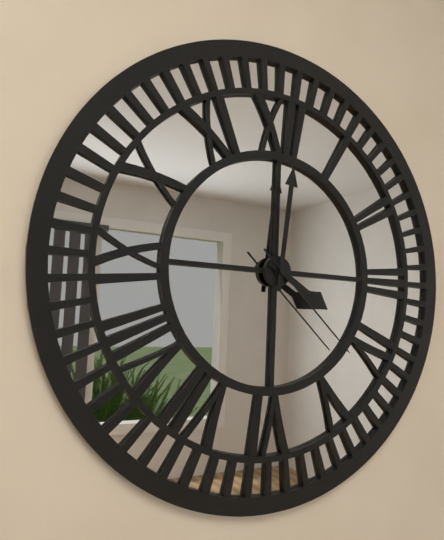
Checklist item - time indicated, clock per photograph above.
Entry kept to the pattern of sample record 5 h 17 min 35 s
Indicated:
4 h 01 min 22 s
